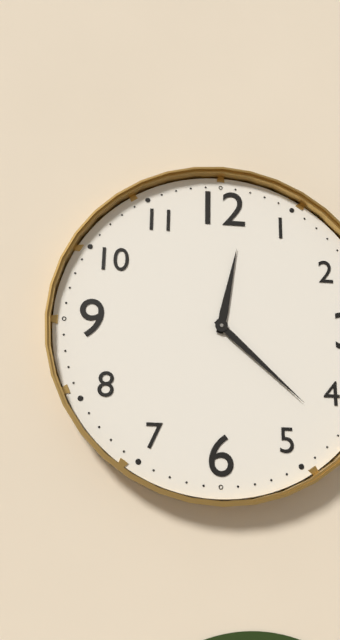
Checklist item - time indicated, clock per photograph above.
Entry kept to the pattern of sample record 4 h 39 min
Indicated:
12 h 22 min
